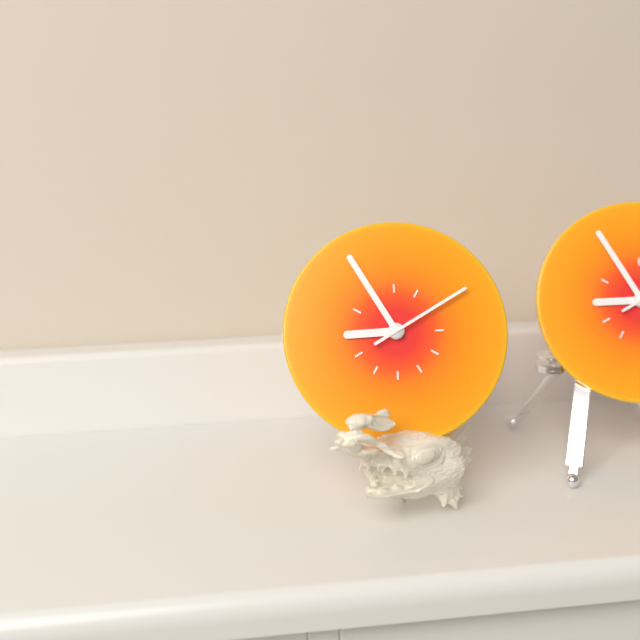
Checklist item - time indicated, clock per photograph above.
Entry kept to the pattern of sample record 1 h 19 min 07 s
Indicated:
8 h 55 min 10 s
